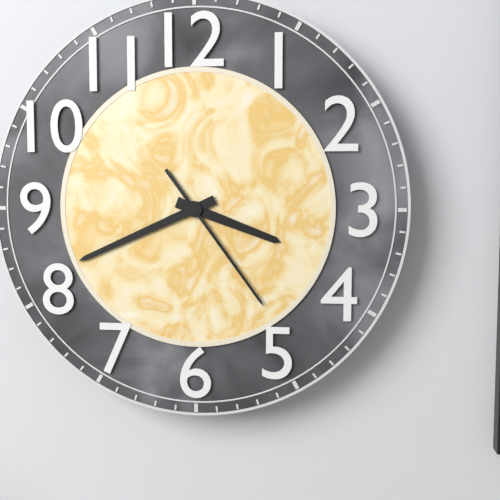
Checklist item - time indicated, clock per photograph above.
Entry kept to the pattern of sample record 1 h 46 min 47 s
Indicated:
3 h 41 min 24 s
